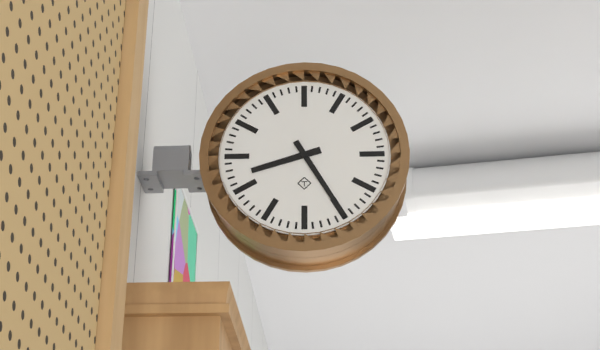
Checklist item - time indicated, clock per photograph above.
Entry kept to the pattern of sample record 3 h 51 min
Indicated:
8 h 25 min
